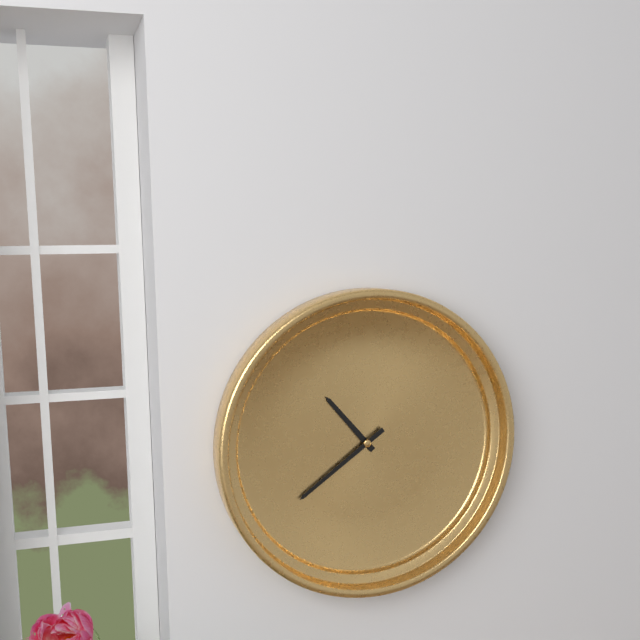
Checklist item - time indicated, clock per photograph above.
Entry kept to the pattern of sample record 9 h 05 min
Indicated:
10 h 39 min
